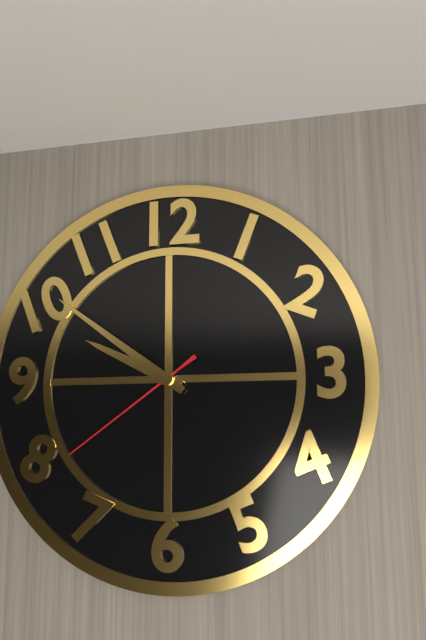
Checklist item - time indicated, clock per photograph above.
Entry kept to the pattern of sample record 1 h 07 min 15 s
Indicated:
9 h 51 min 39 s
